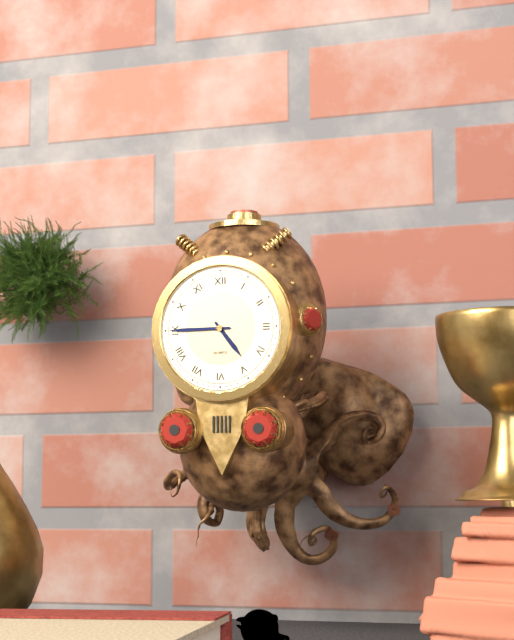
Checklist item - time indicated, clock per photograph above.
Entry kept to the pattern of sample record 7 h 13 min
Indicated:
4 h 45 min
